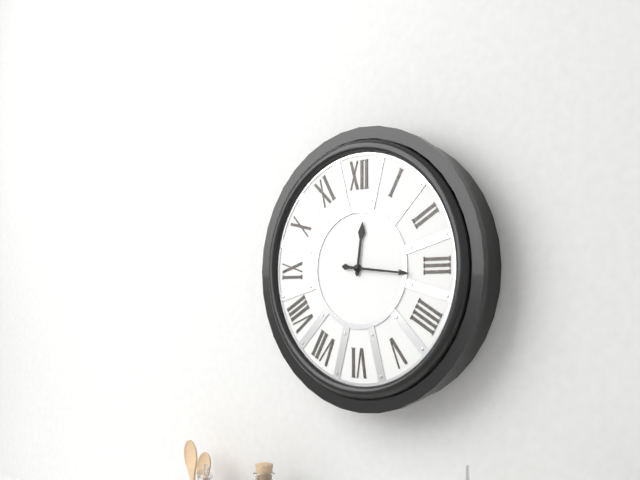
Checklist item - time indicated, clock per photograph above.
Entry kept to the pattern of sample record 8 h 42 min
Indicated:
12 h 16 min
